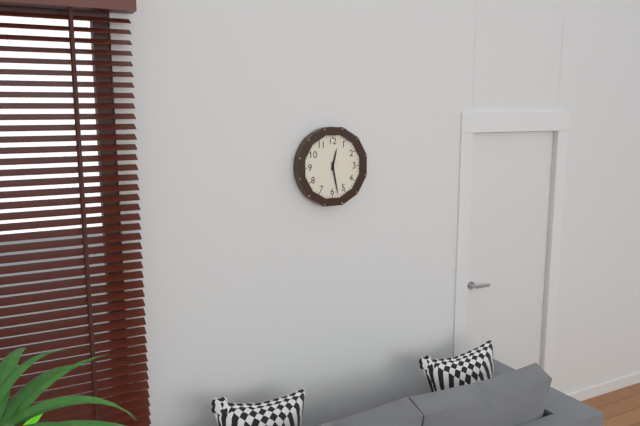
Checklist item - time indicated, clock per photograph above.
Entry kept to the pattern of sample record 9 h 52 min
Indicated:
12 h 28 min
